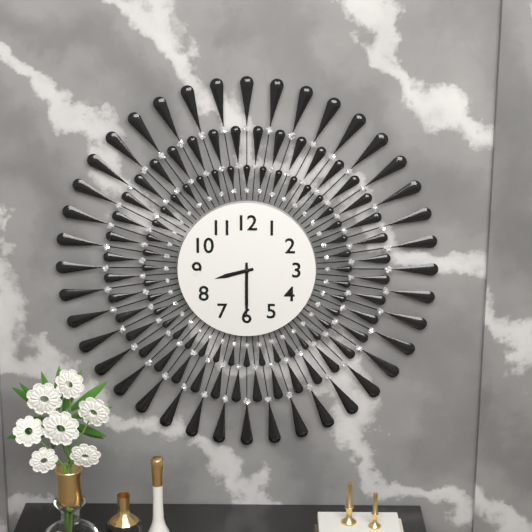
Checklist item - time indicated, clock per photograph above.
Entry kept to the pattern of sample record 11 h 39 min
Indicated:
8 h 30 min
